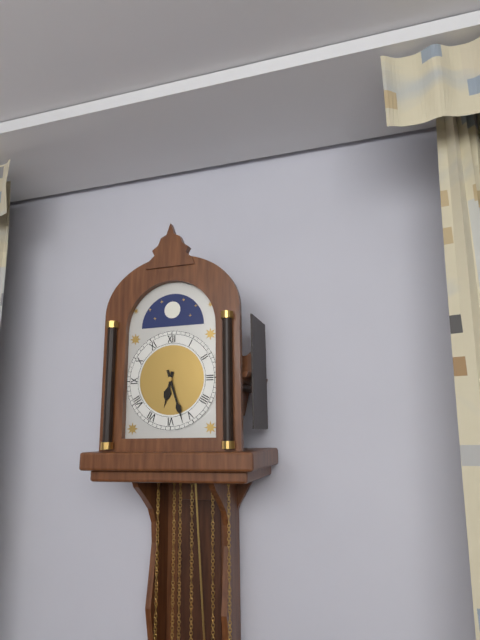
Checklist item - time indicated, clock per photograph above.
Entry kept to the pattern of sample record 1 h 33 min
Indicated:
6 h 27 min
